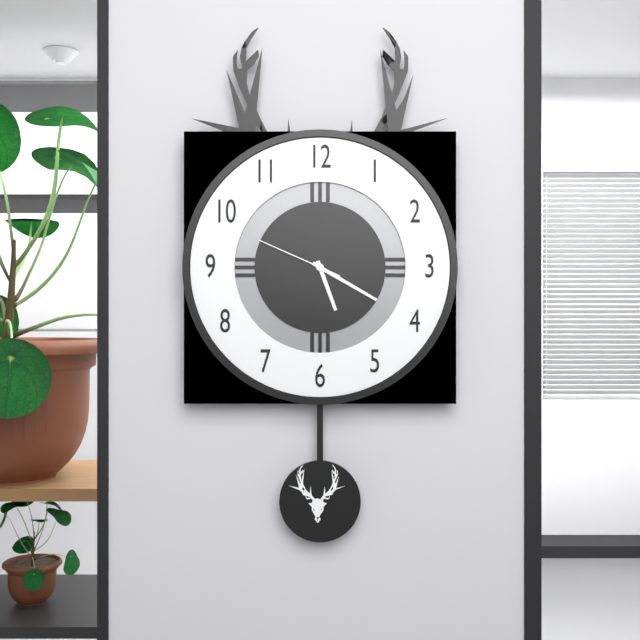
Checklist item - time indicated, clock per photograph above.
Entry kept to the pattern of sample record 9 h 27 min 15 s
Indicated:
5 h 20 min 49 s
